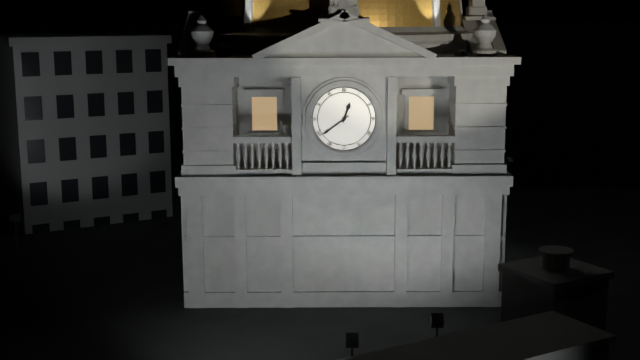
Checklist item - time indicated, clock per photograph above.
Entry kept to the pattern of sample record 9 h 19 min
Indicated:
12 h 39 min
